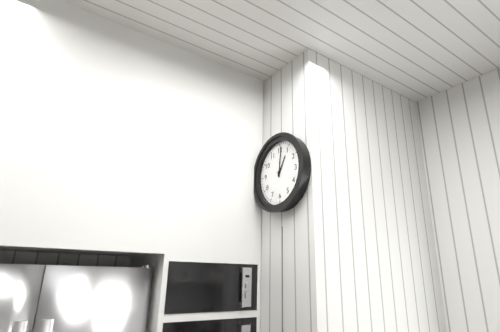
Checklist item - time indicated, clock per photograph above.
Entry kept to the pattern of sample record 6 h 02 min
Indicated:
1 h 01 min
